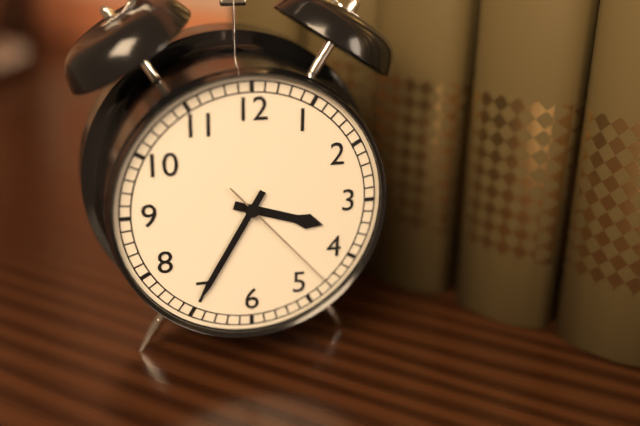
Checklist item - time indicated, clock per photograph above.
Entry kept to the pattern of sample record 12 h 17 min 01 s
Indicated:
3 h 35 min 23 s
